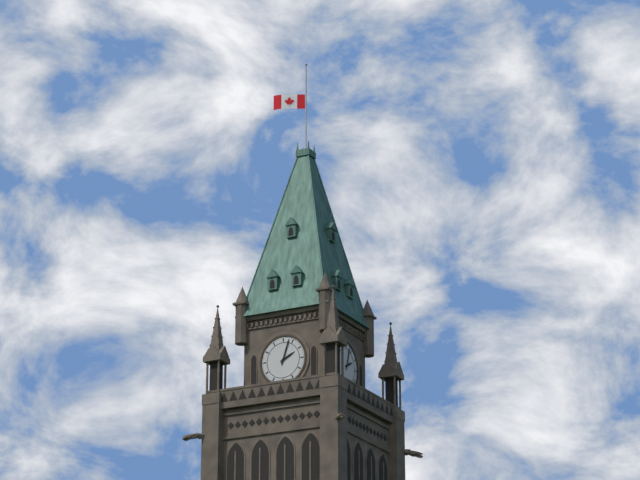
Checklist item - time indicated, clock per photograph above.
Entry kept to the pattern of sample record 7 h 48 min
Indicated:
2 h 03 min
